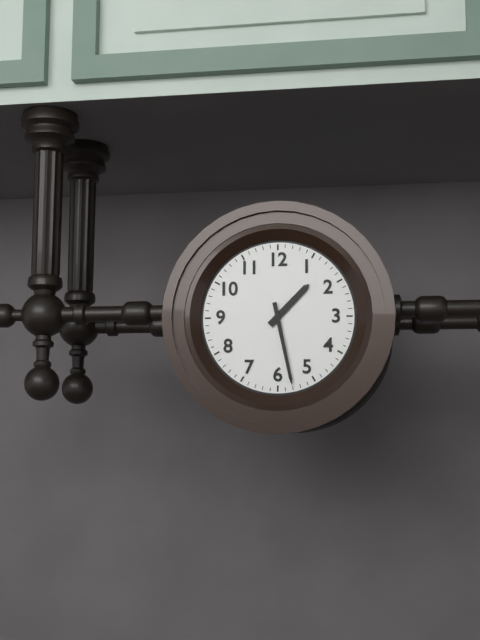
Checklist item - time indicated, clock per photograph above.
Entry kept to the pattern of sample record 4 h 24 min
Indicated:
1 h 28 min
